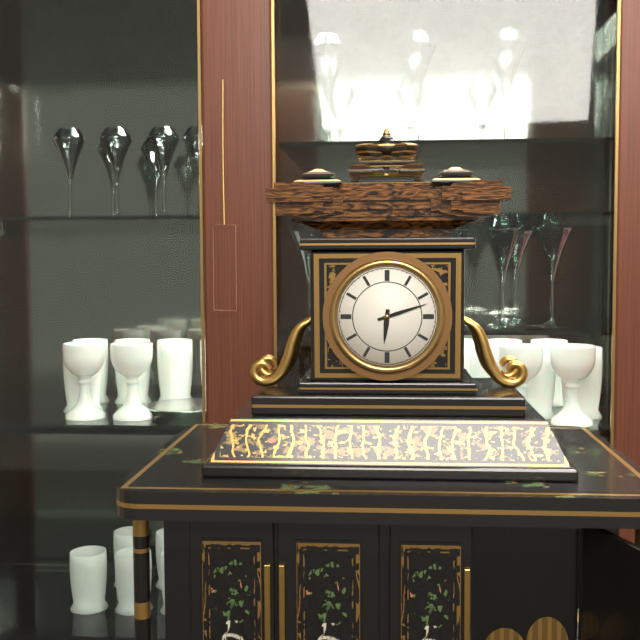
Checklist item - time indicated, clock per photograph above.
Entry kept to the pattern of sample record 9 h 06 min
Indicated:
6 h 12 min
